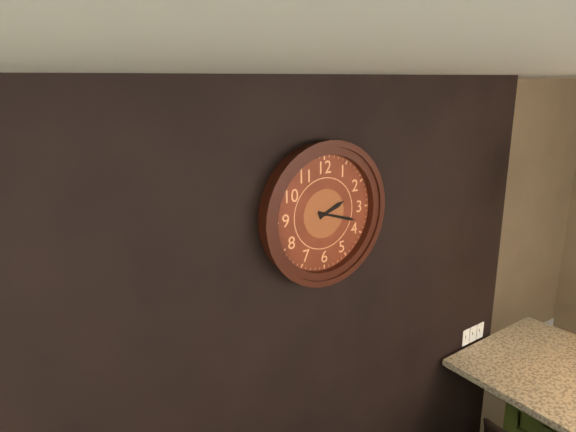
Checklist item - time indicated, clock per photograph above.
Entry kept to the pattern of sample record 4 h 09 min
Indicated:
2 h 18 min
